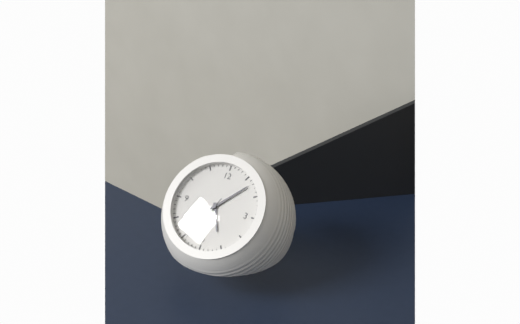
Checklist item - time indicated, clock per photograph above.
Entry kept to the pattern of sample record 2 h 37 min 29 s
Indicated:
5 h 07 min 34 s
